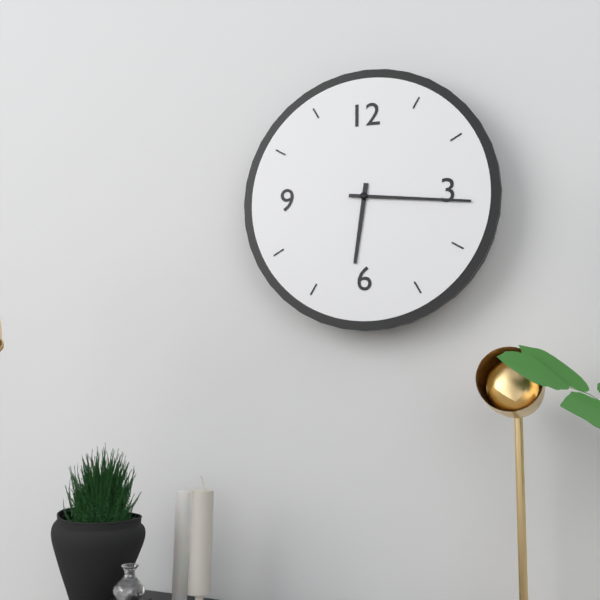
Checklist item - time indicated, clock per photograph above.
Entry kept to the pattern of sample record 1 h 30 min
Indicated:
6 h 16 min
